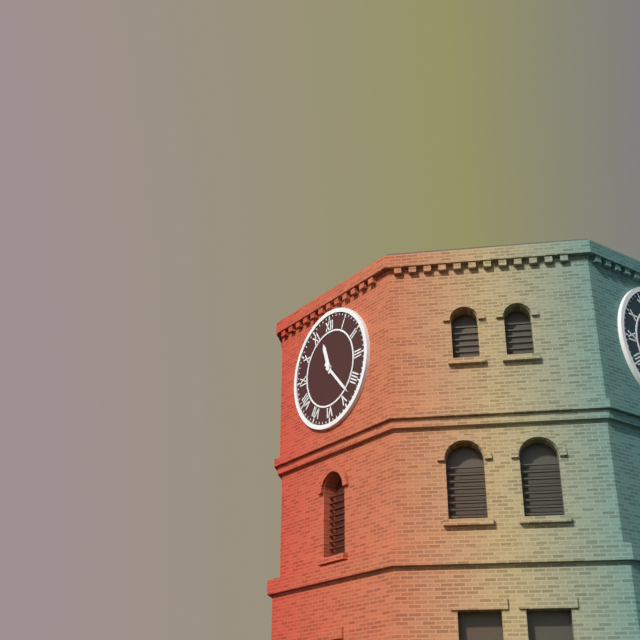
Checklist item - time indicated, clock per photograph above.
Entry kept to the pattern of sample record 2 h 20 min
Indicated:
11 h 23 min
